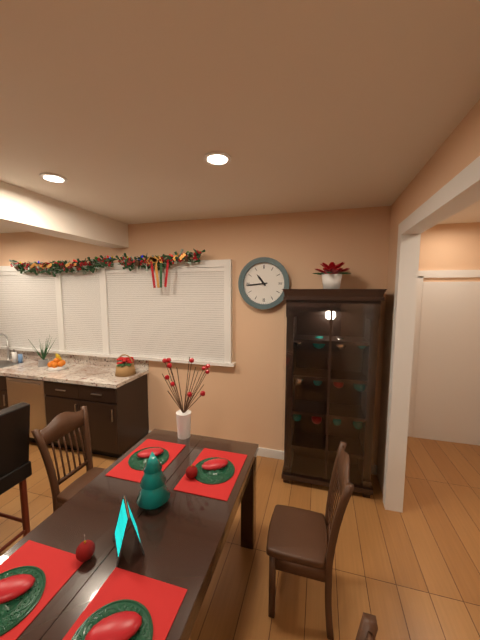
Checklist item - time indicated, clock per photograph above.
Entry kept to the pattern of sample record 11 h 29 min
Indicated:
10 h 44 min
